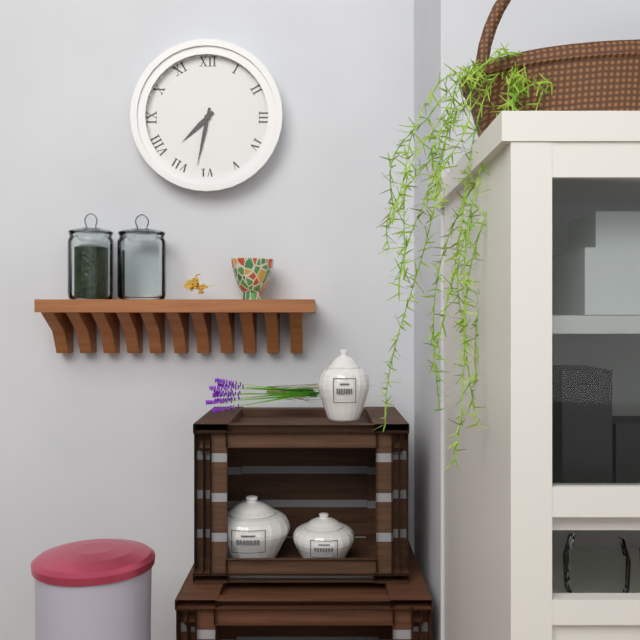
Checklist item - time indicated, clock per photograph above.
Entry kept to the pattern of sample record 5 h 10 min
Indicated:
7 h 32 min
